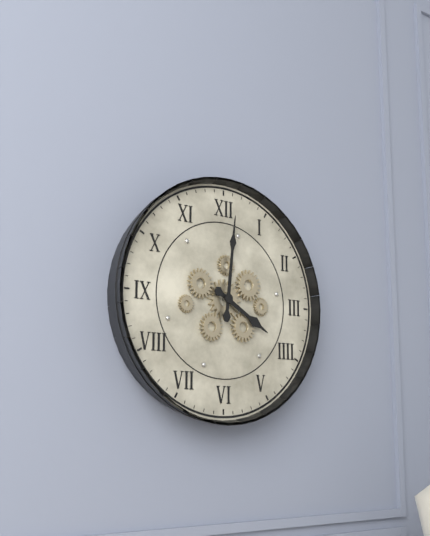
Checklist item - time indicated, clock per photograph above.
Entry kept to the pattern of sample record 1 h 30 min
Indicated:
4 h 01 min
